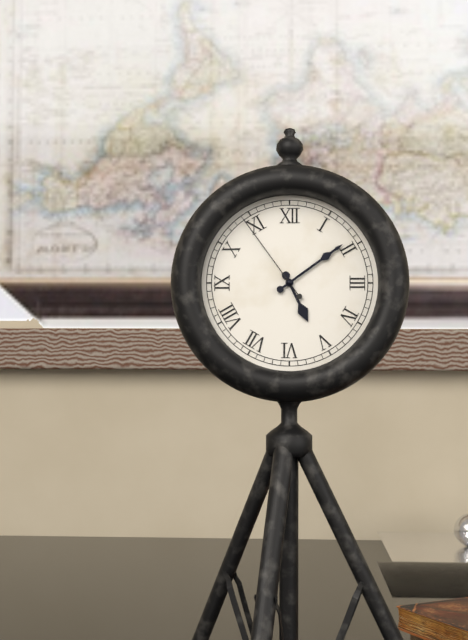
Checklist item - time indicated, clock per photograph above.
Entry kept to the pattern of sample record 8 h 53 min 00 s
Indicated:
5 h 09 min 54 s
